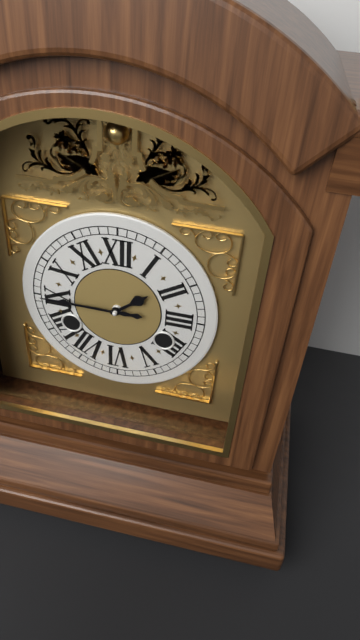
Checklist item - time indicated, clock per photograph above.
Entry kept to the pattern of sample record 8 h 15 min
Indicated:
1 h 45 min
